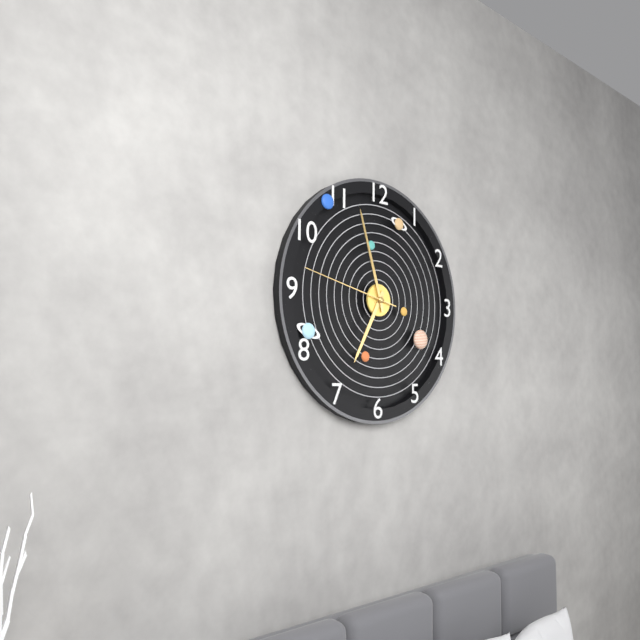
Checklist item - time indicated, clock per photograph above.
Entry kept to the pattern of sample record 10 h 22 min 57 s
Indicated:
6 h 57 min 47 s
